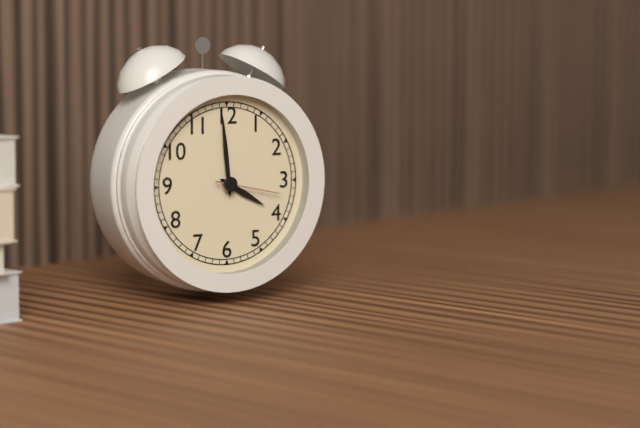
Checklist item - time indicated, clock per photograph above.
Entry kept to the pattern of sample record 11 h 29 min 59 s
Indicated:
3 h 59 min 17 s
